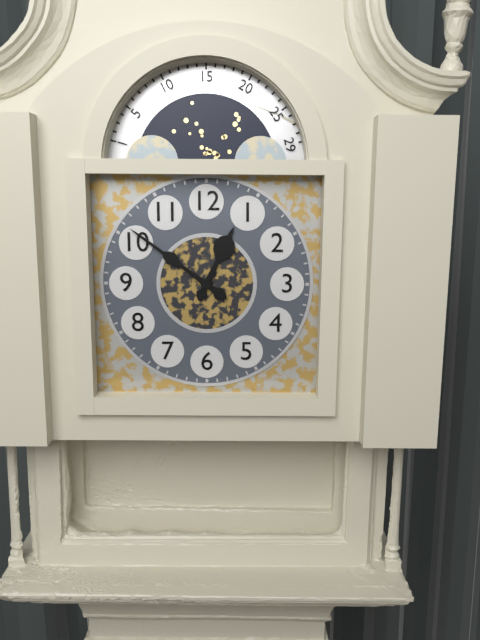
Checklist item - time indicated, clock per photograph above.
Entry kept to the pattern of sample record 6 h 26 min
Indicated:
12 h 51 min
